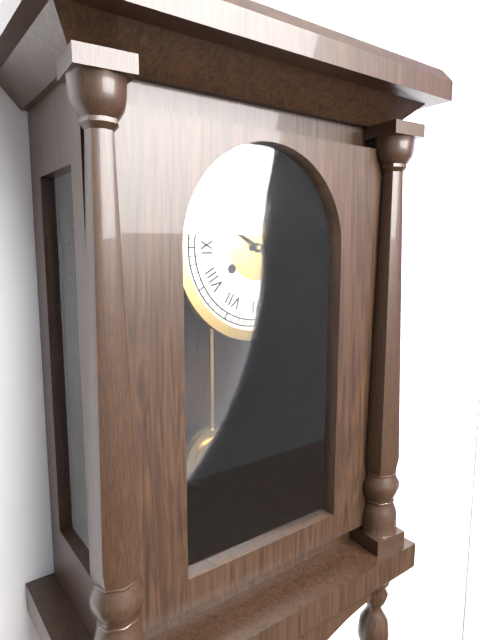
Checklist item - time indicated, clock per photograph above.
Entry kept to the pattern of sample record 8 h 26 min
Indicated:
2 h 50 min
